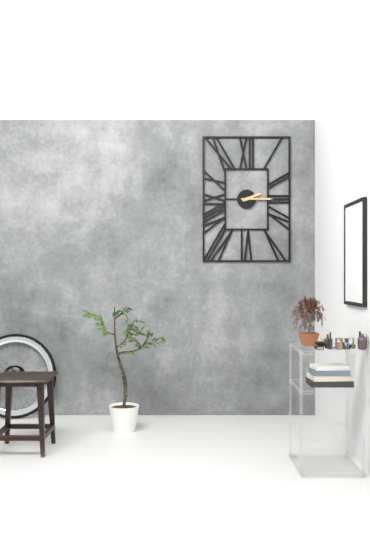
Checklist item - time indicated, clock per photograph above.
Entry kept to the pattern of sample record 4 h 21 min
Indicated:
2 h 15 min
